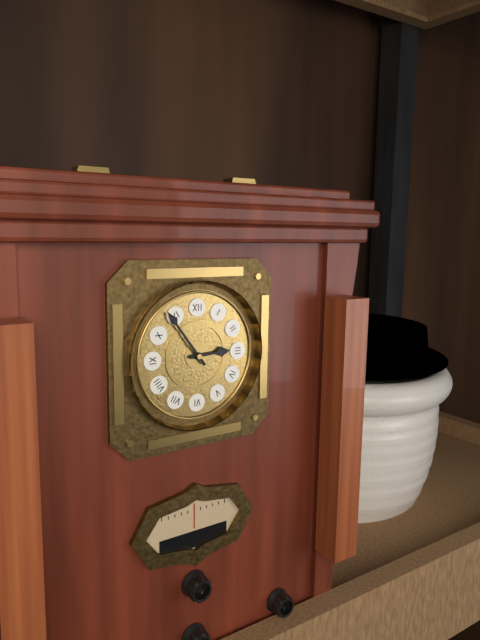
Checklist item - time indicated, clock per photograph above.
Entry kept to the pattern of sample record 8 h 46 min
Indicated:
2 h 54 min
